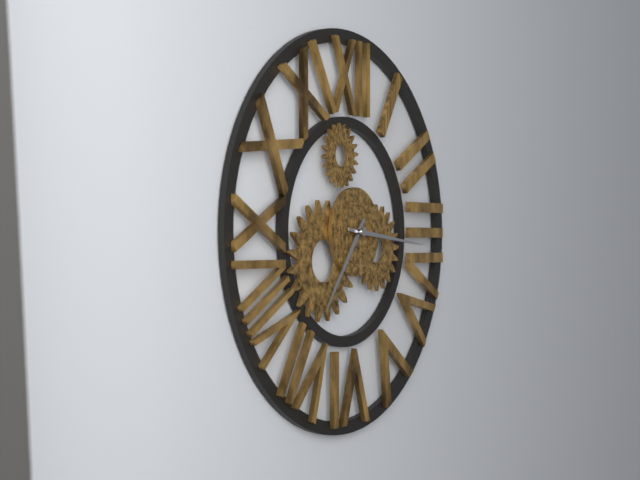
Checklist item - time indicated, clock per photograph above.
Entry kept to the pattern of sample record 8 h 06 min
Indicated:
7 h 16 min
